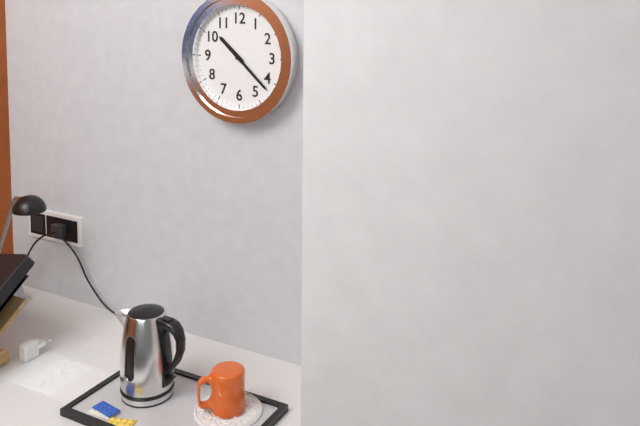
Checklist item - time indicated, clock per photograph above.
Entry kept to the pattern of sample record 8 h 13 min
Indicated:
10 h 22 min
